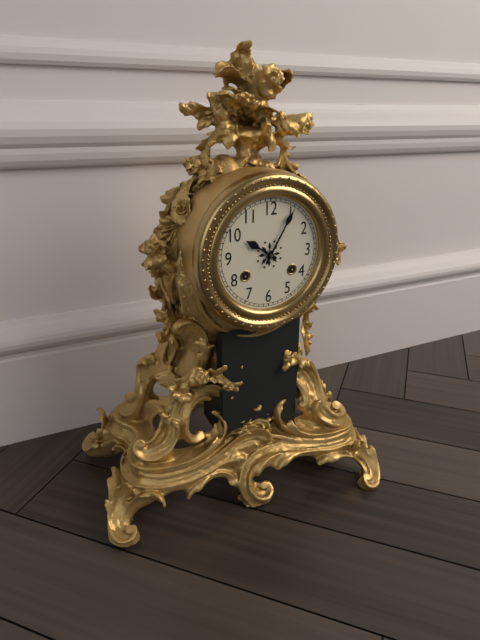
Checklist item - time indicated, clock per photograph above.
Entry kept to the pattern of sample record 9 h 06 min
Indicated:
10 h 05 min
